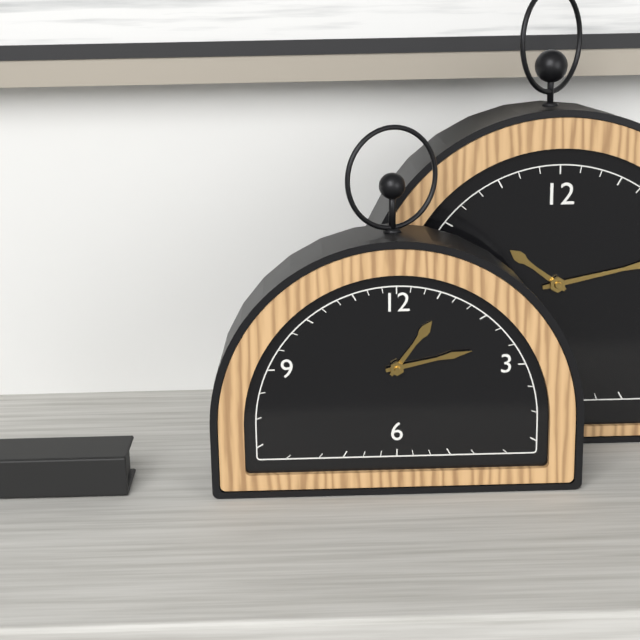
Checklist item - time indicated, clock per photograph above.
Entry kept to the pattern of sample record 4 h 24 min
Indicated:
1 h 13 min
